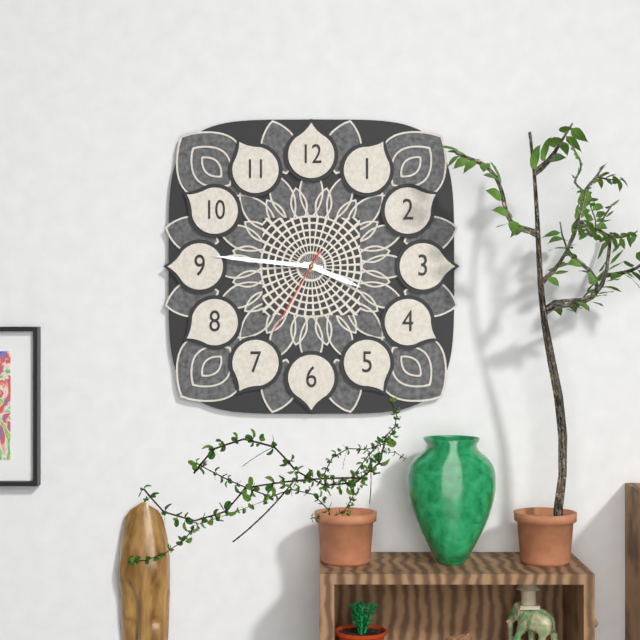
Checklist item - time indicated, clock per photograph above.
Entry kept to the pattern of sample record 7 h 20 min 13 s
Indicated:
3 h 46 min 35 s
